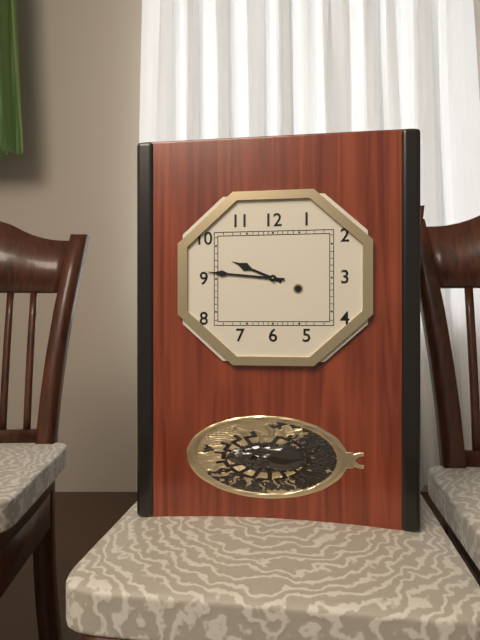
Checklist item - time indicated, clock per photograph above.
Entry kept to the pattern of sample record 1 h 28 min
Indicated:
9 h 46 min
